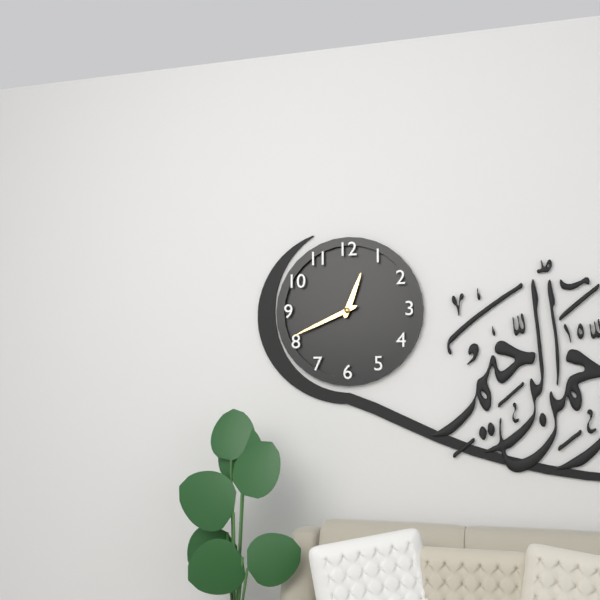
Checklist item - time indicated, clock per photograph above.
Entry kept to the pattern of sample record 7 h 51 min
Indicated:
12 h 41 min
